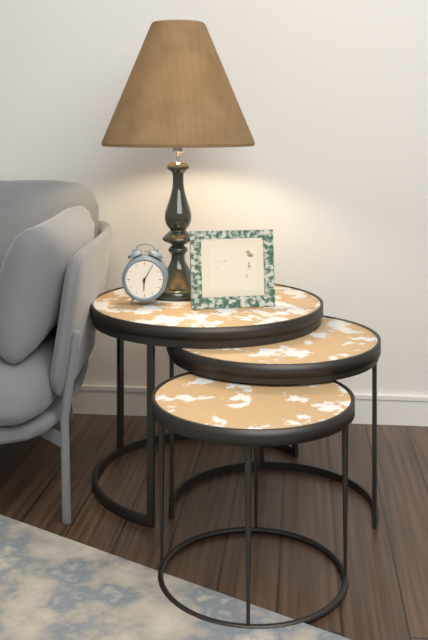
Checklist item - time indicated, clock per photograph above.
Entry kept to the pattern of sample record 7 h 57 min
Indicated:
6 h 05 min
